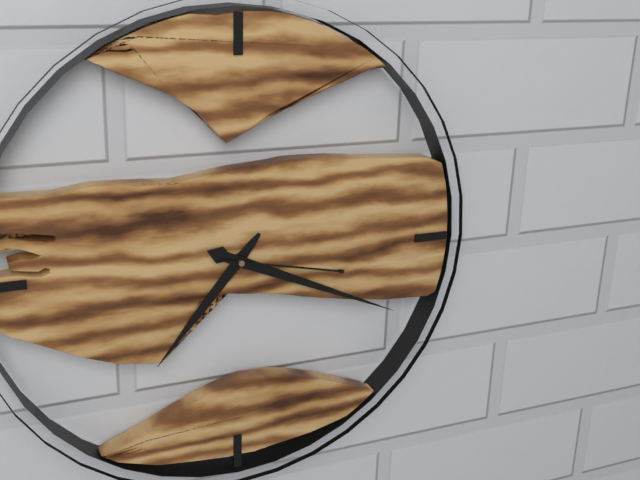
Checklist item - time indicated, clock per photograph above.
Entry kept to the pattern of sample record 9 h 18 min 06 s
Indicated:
7 h 19 min 17 s
